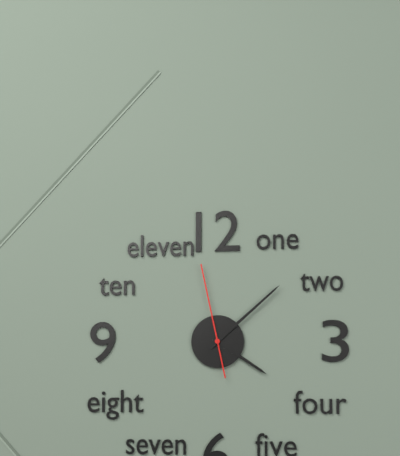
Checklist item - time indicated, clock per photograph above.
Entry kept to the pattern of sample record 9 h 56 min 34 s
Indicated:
4 h 08 min 58 s
